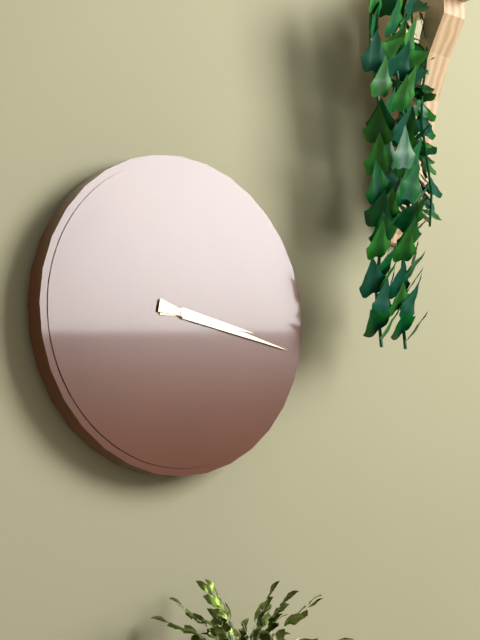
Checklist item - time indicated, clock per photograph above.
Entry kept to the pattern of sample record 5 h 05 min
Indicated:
3 h 17 min
